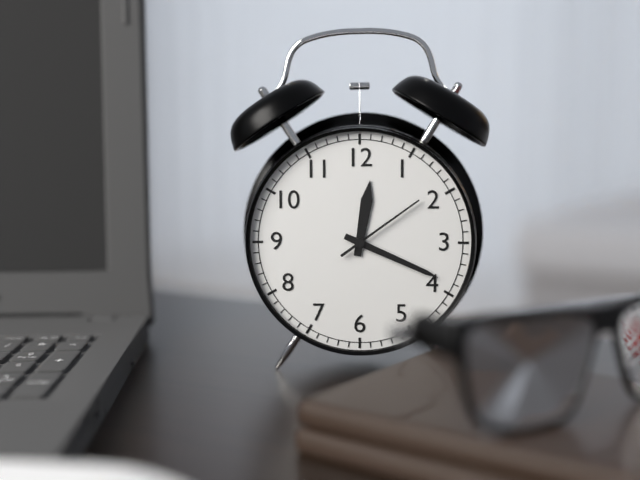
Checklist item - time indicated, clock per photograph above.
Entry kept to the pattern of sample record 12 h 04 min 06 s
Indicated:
12 h 19 min 09 s
